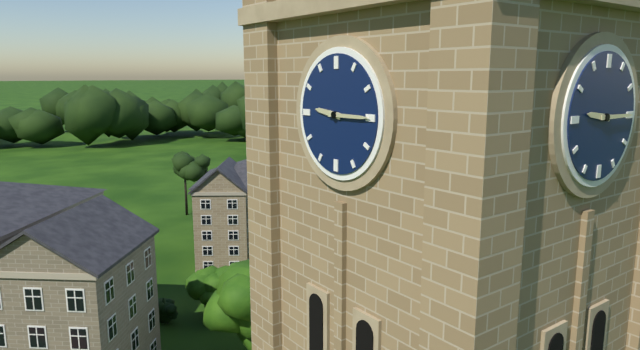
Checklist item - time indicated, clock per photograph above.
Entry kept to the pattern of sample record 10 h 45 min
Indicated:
9 h 15 min
